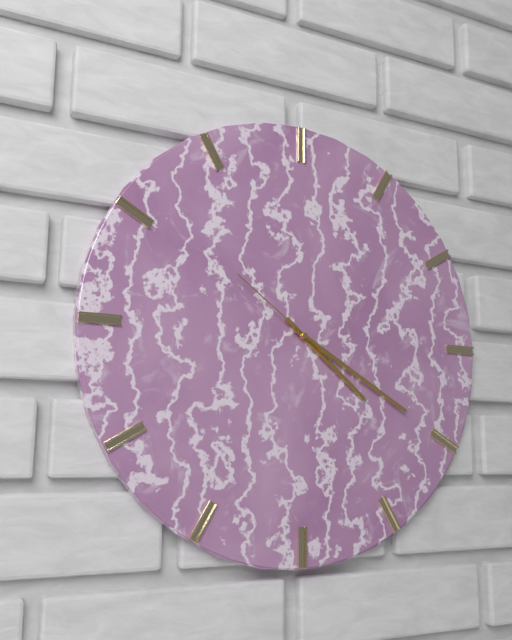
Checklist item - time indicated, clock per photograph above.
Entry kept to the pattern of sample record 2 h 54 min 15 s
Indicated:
4 h 20 min 51 s
